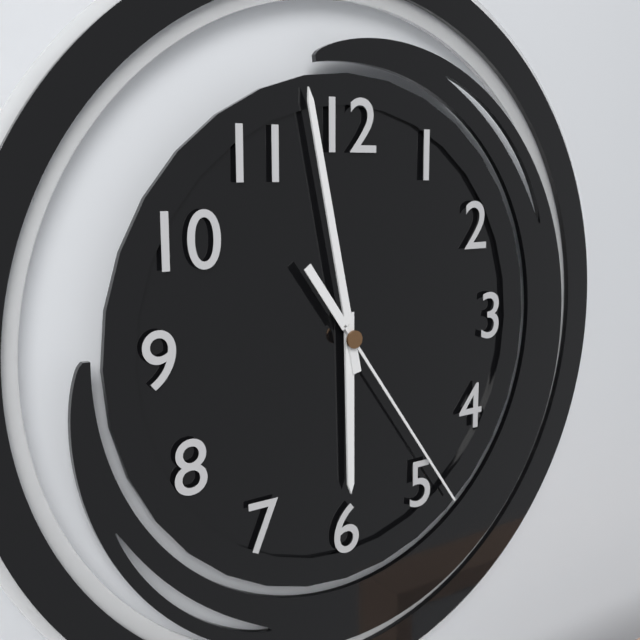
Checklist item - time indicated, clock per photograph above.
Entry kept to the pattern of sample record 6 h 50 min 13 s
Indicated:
5 h 58 min 24 s
